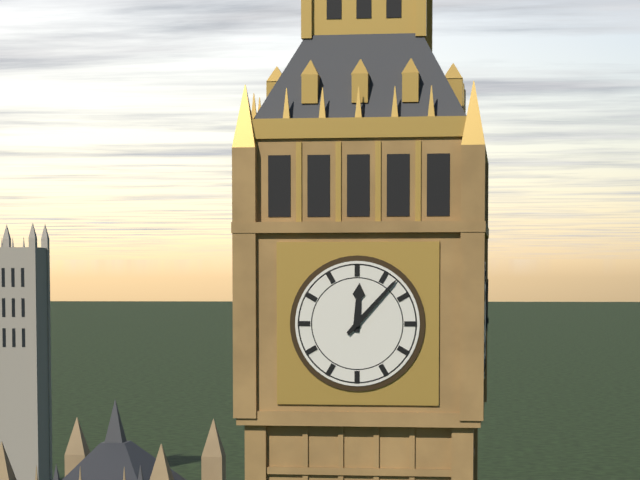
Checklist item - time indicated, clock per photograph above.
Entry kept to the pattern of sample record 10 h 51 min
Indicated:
12 h 07 min
